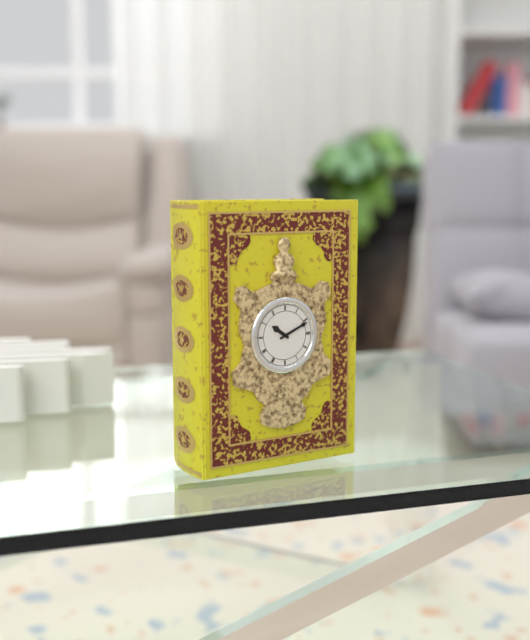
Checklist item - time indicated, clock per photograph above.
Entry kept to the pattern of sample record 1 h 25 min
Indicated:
10 h 11 min
